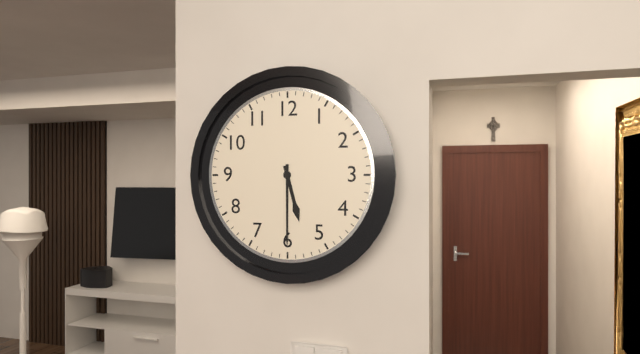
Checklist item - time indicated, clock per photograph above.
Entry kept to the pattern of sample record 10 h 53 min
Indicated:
5 h 30 min
